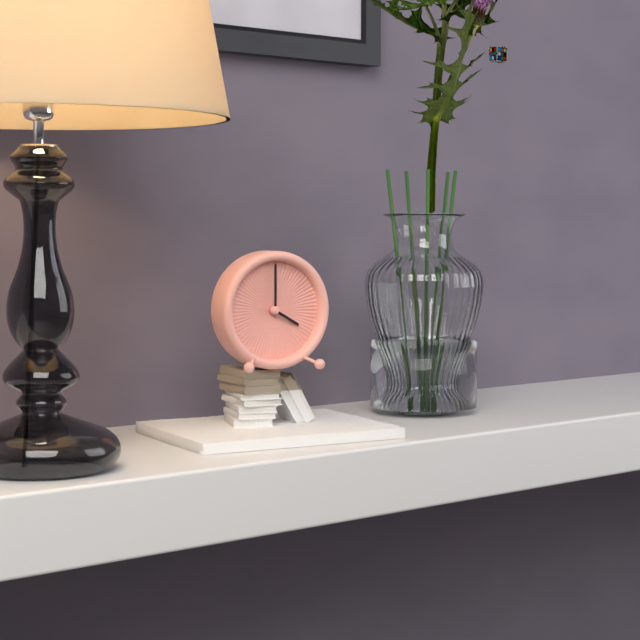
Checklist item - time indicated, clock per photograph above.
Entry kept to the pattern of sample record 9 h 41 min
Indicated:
4 h 00 min
